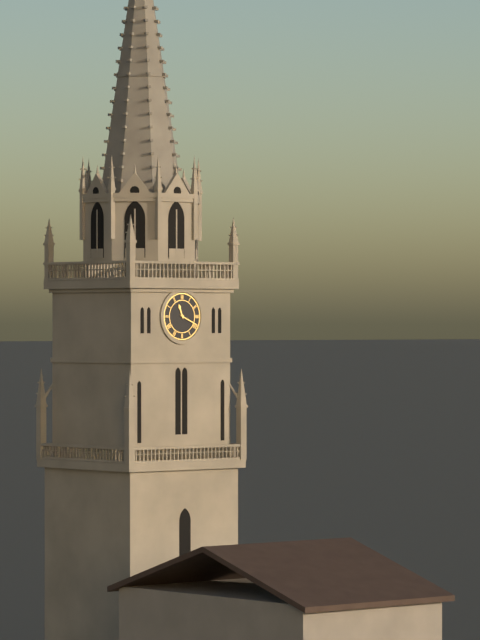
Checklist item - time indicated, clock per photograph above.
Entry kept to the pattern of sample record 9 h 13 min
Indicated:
11 h 19 min
